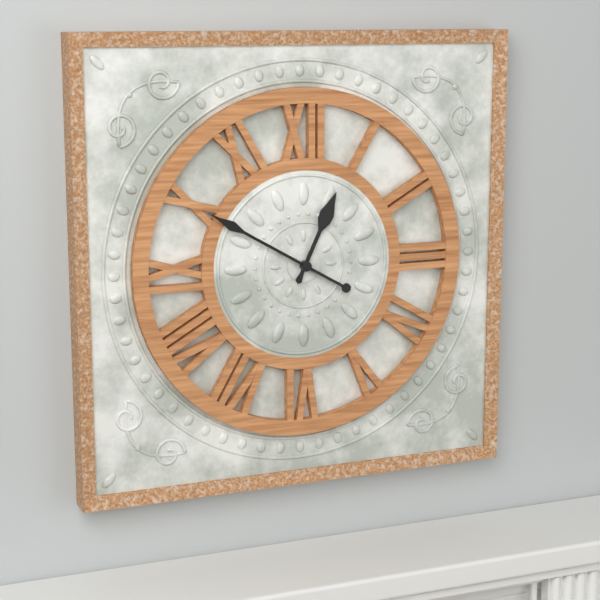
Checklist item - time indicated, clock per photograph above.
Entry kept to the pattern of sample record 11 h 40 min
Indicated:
12 h 50 min
